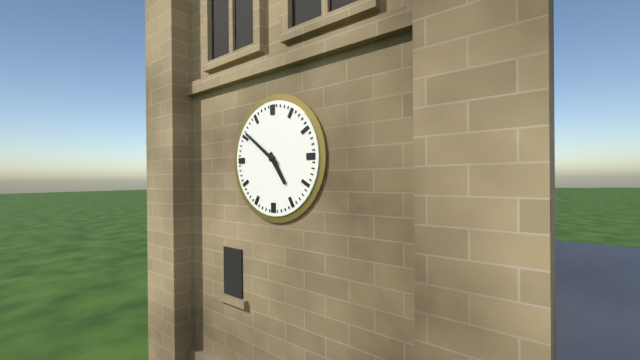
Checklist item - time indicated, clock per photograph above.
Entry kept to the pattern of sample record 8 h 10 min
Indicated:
4 h 51 min
